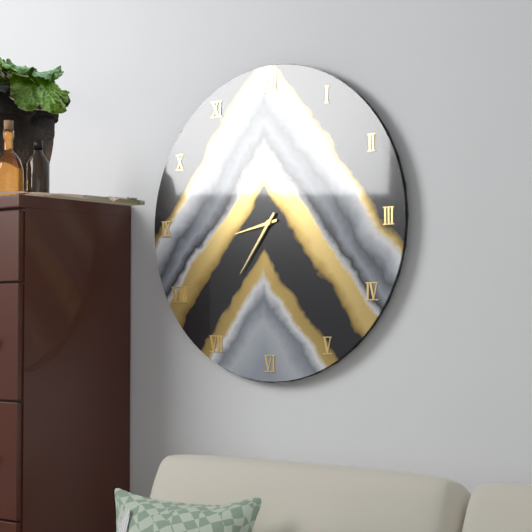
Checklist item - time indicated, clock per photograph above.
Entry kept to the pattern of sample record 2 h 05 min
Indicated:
8 h 36 min
